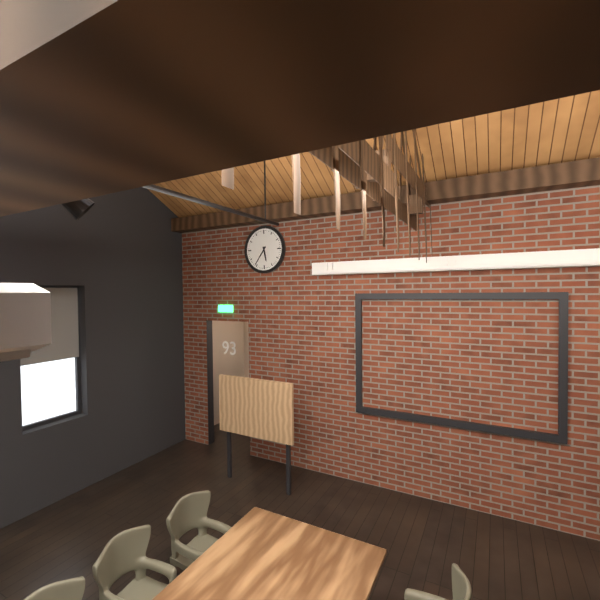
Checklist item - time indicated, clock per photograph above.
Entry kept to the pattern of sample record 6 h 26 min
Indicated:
5 h 36 min
